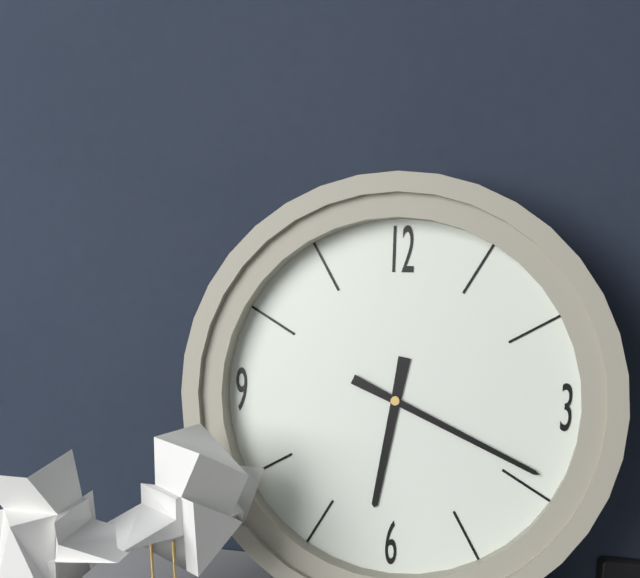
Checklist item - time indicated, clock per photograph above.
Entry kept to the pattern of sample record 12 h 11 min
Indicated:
6 h 19 min
